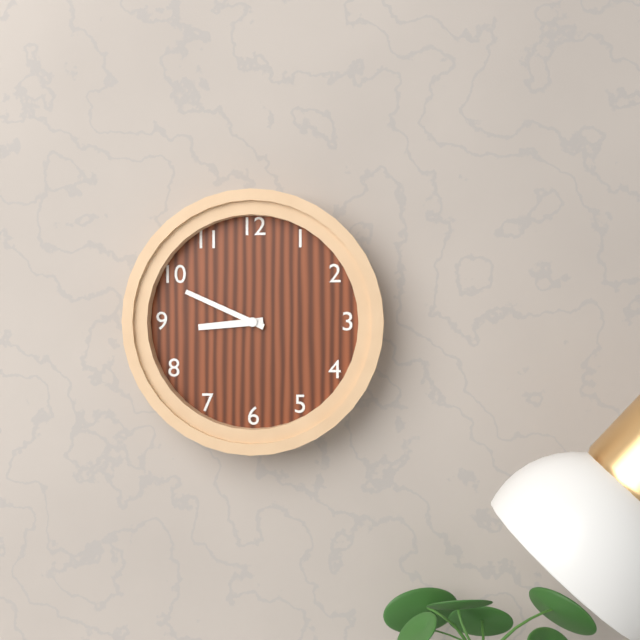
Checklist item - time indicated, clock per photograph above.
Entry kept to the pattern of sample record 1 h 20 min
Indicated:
8 h 49 min
